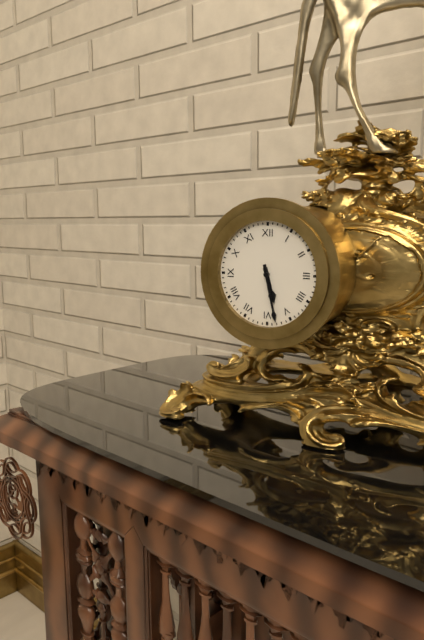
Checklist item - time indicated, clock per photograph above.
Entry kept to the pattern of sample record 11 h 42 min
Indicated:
5 h 28 min
